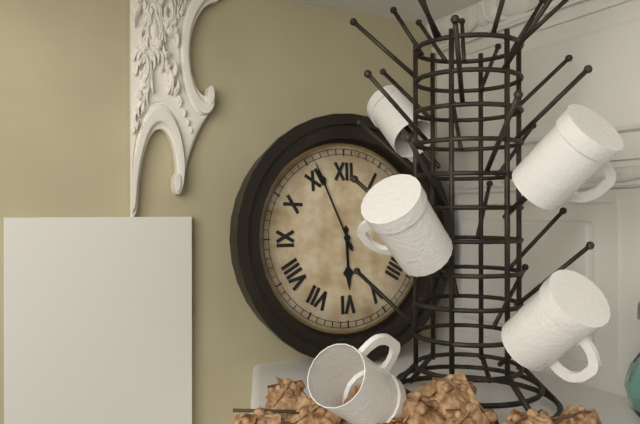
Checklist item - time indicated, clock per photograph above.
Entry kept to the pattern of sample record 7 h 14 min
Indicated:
5 h 56 min
